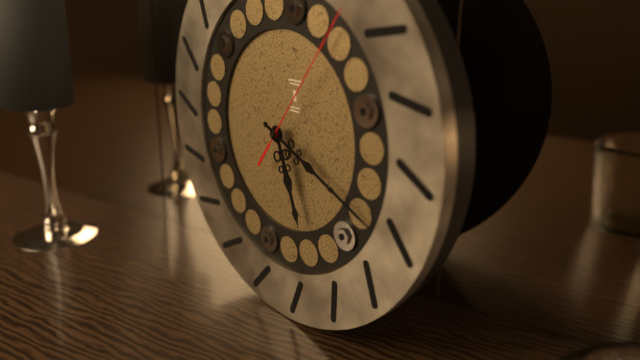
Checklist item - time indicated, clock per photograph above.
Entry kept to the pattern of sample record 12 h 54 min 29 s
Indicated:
5 h 19 min 06 s
